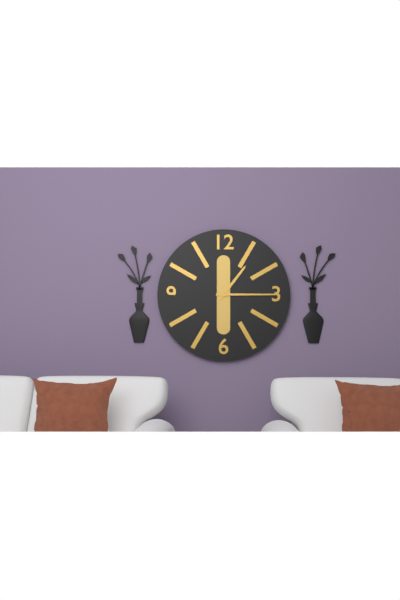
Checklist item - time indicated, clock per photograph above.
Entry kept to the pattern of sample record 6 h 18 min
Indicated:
1 h 15 min
